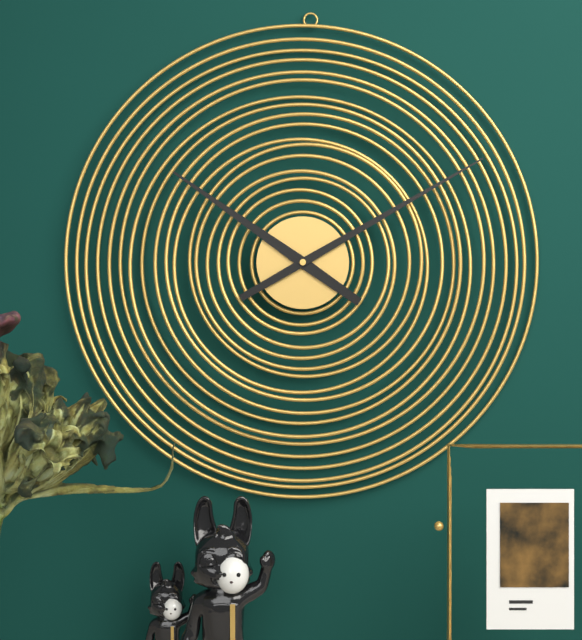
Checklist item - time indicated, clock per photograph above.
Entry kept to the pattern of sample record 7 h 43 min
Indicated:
10 h 10 min
